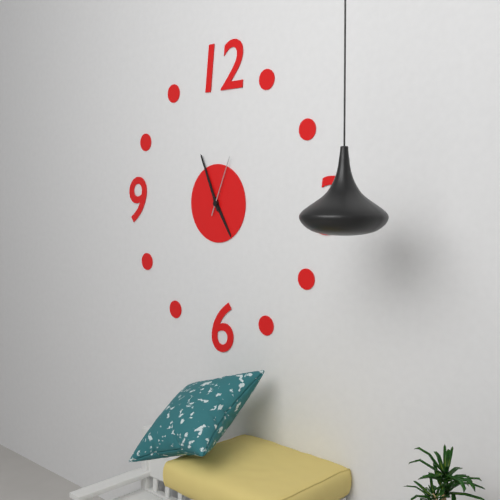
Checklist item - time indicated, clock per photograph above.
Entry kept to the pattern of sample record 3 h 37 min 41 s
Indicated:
4 h 56 min 04 s
